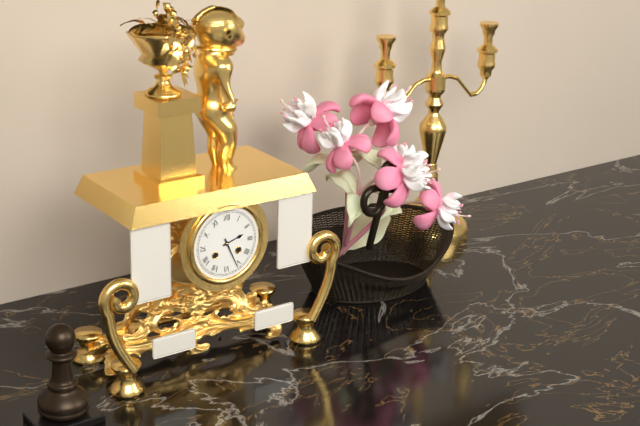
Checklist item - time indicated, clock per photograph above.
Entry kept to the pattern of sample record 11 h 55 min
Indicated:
2 h 26 min
